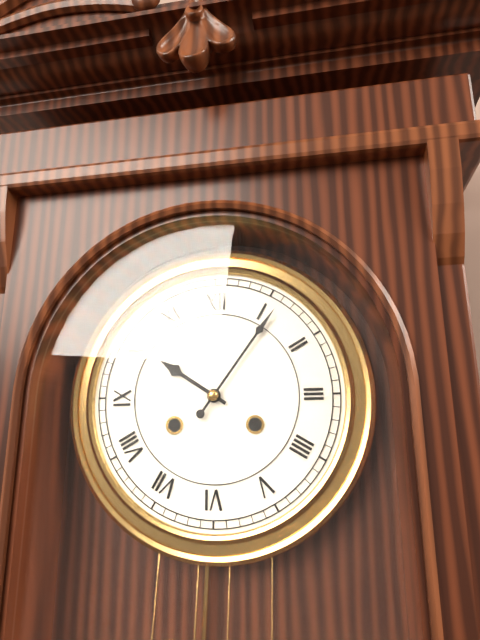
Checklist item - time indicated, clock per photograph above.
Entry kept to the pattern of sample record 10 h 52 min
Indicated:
10 h 06 min
